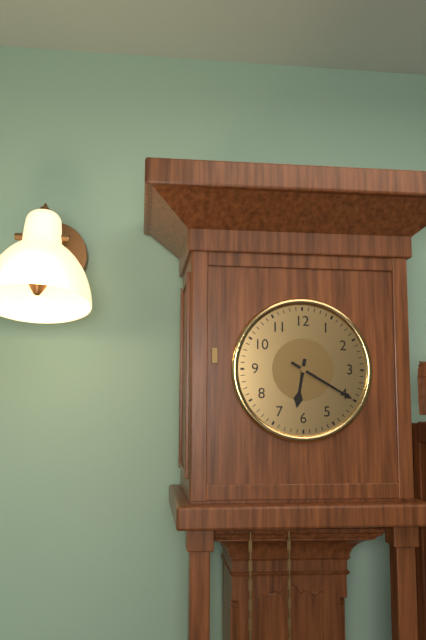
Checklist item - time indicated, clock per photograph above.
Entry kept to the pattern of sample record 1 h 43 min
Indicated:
6 h 20 min
